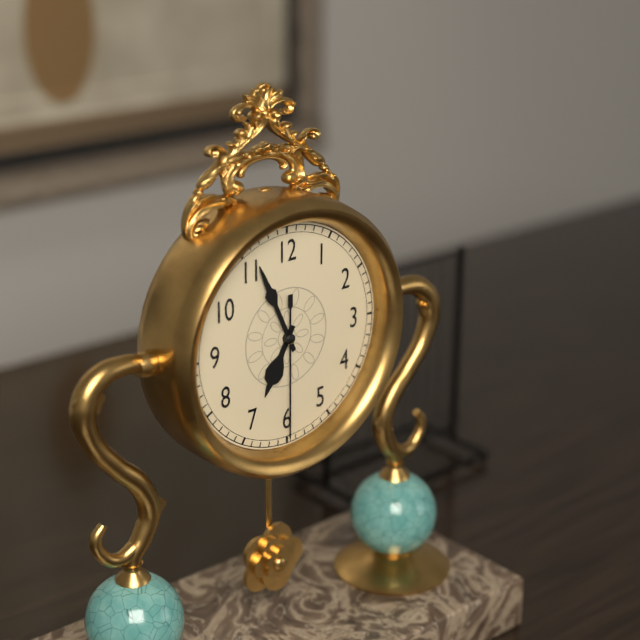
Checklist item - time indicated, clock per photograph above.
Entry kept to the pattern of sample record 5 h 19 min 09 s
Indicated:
6 h 56 min 30 s
